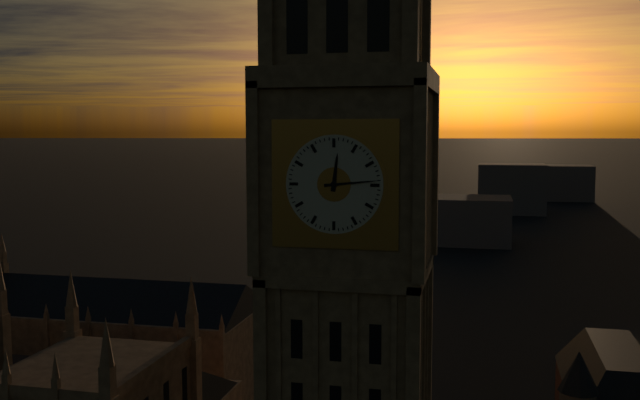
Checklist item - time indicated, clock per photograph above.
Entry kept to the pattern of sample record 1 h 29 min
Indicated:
12 h 14 min
